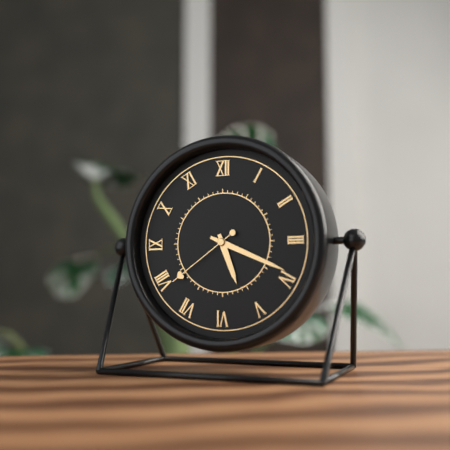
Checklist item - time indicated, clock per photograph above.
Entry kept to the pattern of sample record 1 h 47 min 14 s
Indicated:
5 h 19 min 39 s
